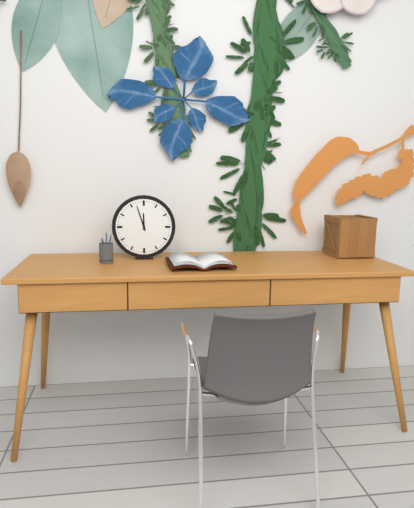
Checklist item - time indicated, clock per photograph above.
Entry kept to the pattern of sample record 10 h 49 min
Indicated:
11 h 57 min
